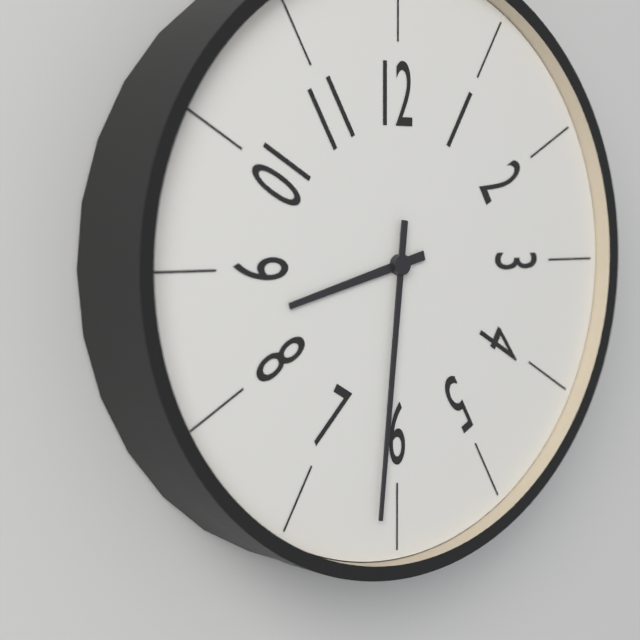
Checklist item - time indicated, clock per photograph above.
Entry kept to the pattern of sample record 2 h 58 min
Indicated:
8 h 31 min
